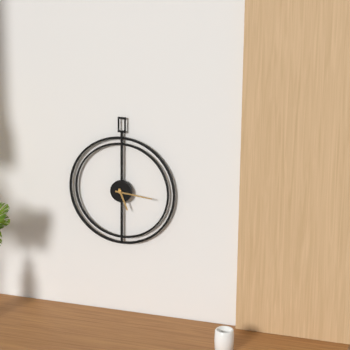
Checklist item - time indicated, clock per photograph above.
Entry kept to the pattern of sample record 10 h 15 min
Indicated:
5 h 16 min
